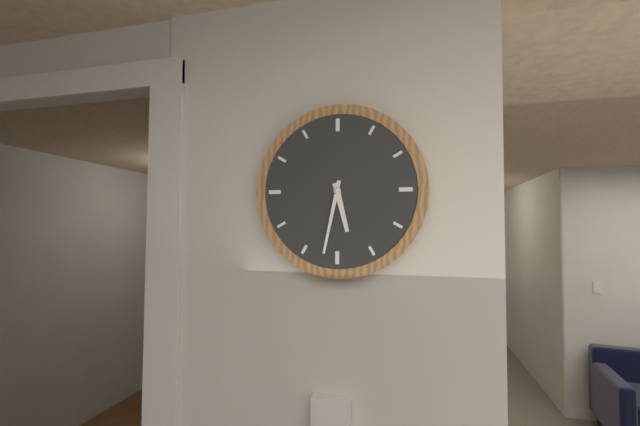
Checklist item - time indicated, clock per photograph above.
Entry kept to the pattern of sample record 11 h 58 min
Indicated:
5 h 32 min
